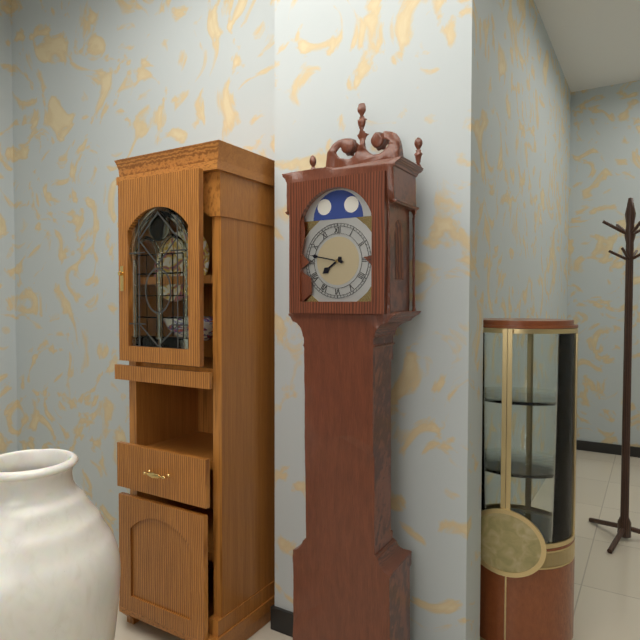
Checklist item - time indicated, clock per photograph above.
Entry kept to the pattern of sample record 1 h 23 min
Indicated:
7 h 47 min
